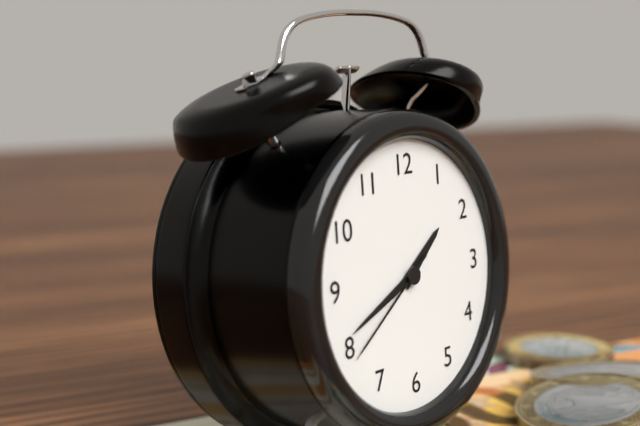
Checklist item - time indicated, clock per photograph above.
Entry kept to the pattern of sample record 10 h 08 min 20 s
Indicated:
1 h 41 min 39 s
